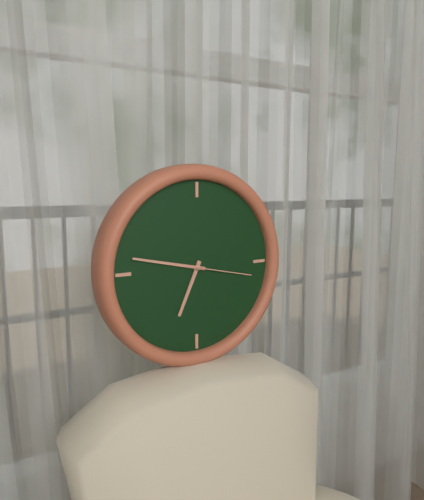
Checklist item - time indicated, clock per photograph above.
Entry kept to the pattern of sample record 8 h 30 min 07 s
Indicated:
6 h 47 min 17 s
